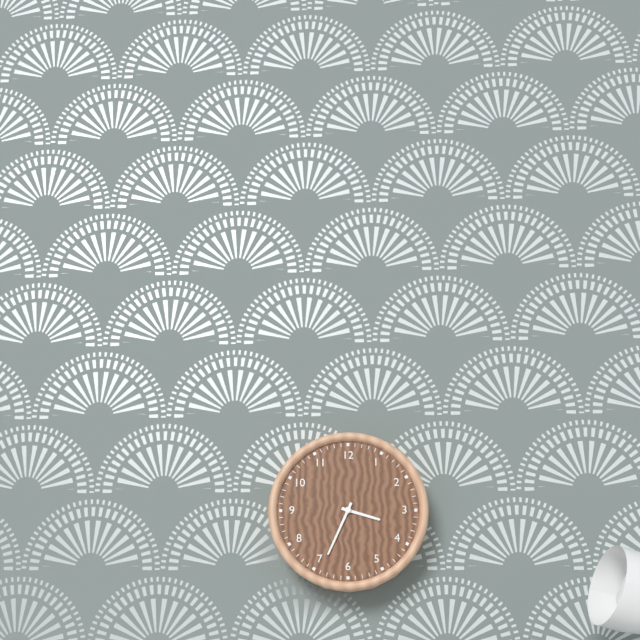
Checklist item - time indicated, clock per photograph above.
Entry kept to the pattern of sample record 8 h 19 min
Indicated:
3 h 34 min
